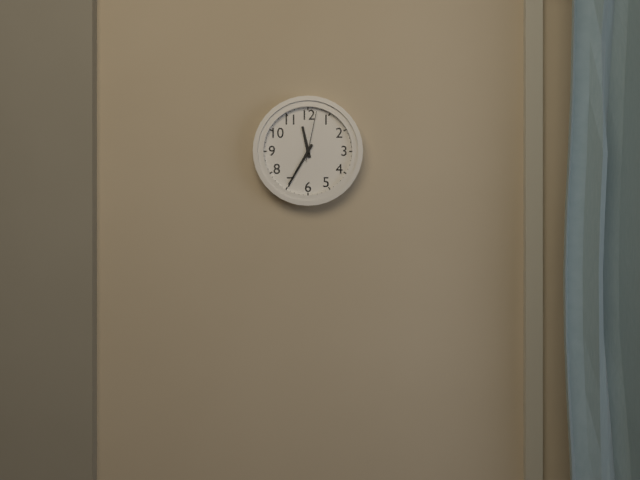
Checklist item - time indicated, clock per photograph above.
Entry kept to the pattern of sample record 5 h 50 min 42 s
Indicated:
11 h 35 min 02 s
